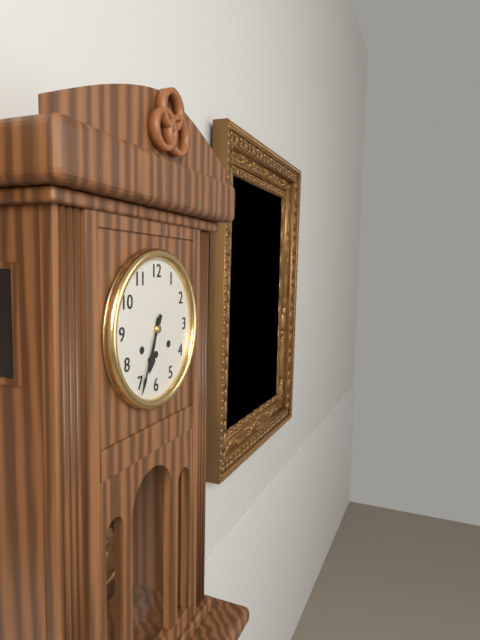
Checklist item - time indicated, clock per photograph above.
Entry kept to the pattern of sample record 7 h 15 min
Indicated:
6 h 34 min
